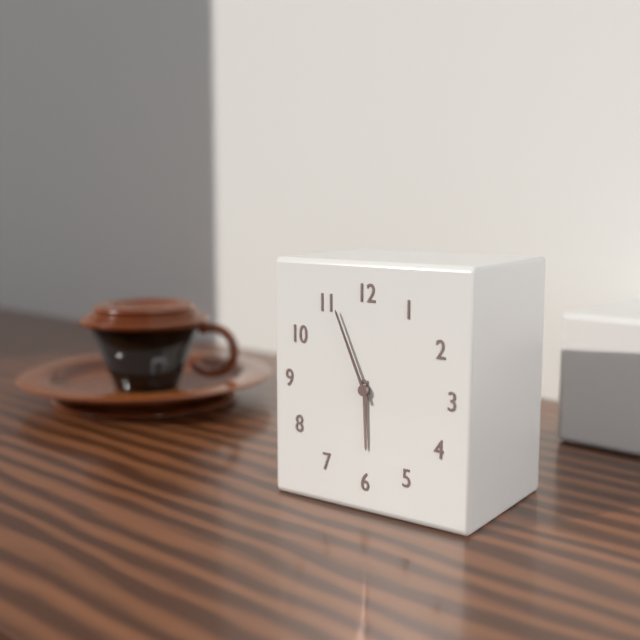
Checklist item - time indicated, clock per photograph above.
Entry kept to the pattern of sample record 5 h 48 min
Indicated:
5 h 56 min
